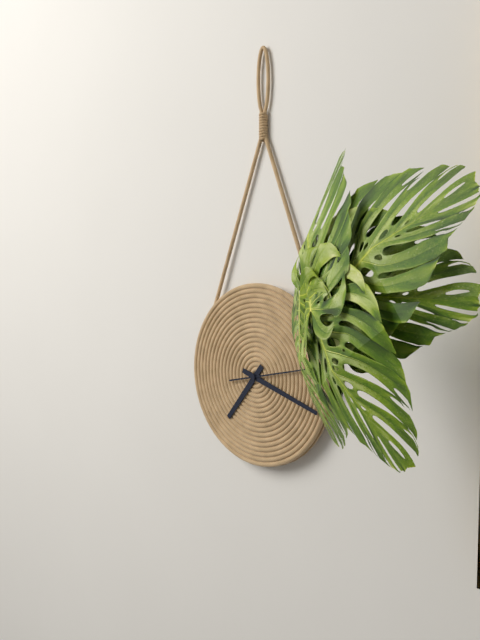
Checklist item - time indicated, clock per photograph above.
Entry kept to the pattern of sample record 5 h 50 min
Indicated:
7 h 18 min
